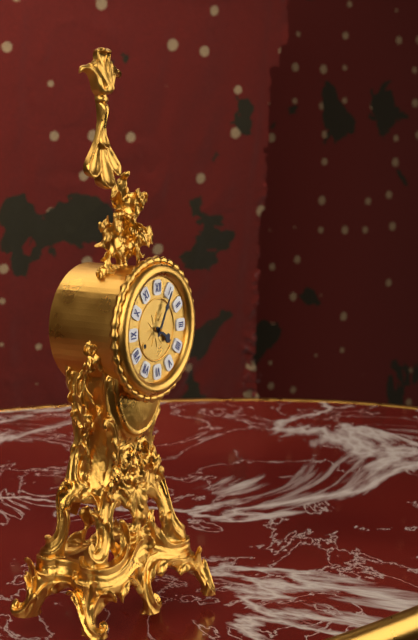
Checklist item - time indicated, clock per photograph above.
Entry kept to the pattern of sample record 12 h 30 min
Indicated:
4 h 05 min
